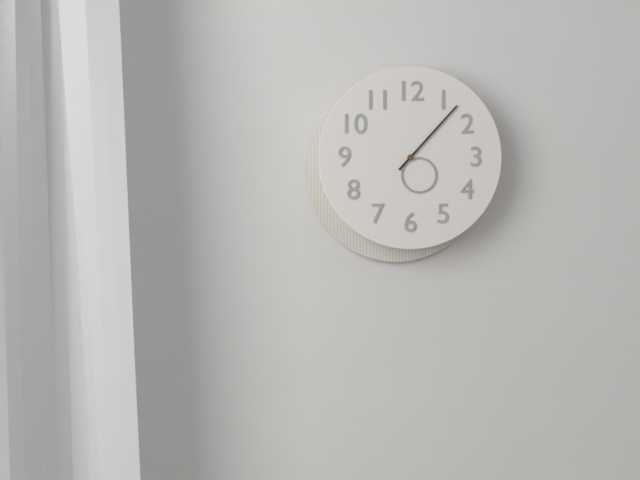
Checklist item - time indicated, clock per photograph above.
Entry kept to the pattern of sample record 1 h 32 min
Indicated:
5 h 07 min
